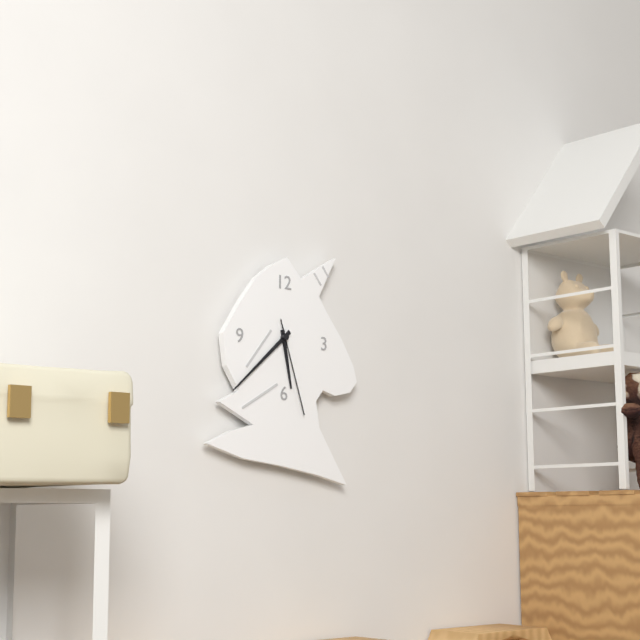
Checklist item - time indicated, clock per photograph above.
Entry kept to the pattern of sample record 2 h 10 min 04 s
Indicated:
5 h 38 min 27 s
